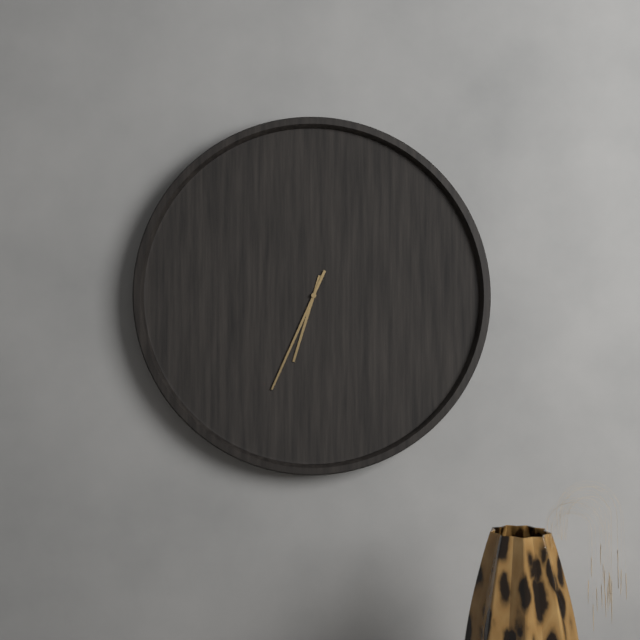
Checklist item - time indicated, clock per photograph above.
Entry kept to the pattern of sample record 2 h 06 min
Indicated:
6 h 34 min
